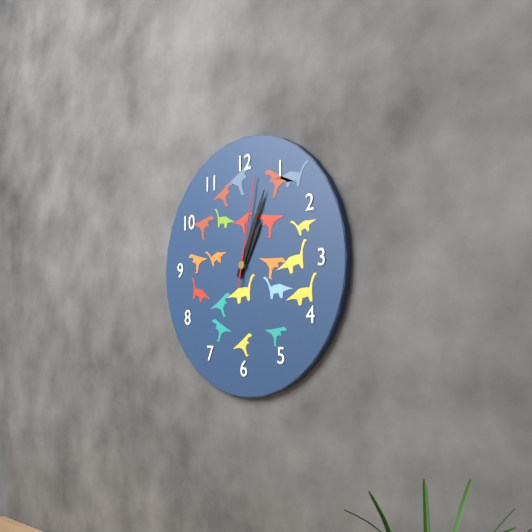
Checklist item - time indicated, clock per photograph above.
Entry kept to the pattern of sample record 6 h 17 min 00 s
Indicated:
1 h 04 min 02 s
